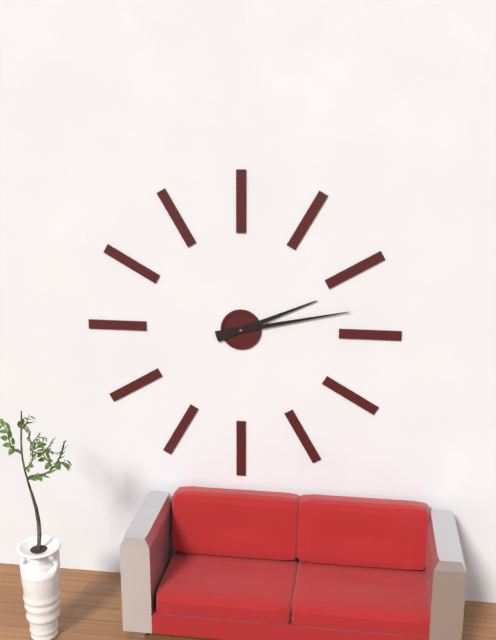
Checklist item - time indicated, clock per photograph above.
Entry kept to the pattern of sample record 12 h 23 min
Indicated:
2 h 13 min
